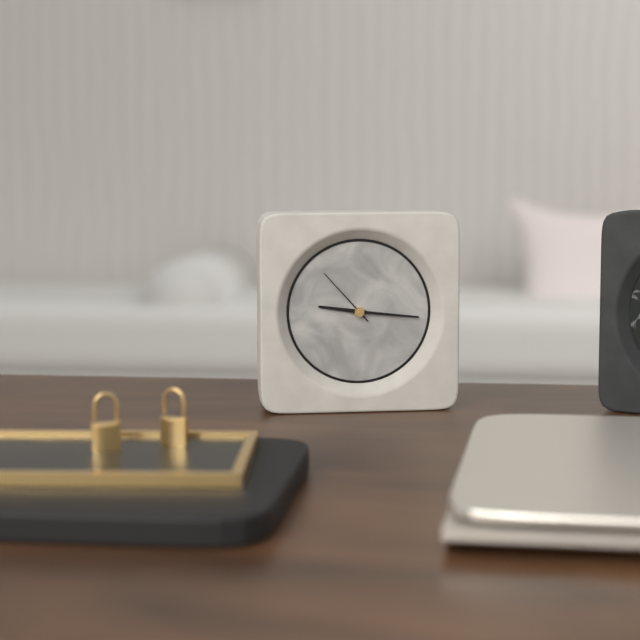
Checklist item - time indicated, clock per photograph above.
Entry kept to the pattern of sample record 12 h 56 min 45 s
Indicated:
9 h 16 min 53 s
